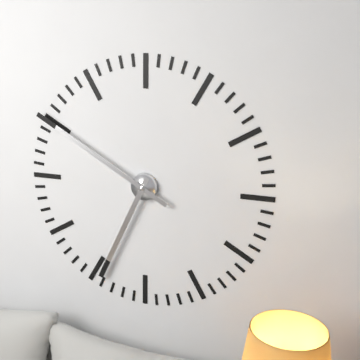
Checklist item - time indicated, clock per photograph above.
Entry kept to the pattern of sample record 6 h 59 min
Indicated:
6 h 50 min
